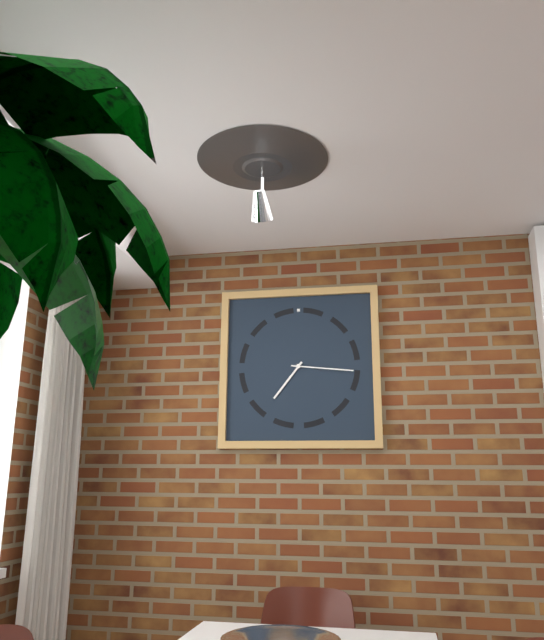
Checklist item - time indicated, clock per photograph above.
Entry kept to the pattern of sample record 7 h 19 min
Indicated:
7 h 16 min
